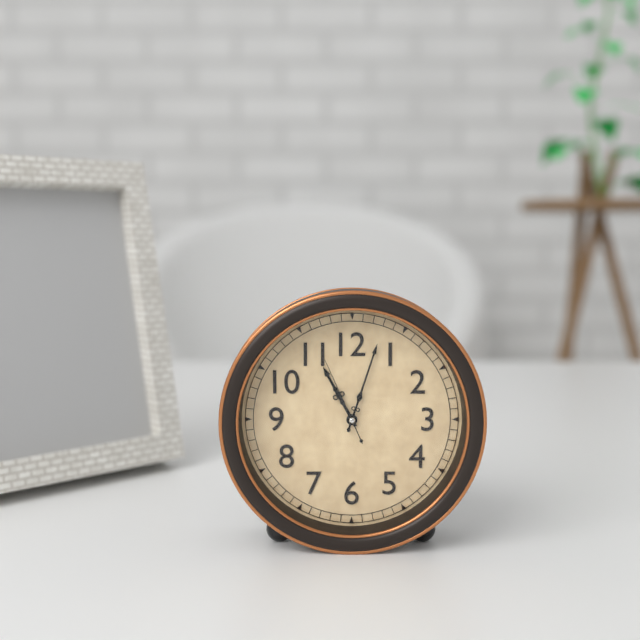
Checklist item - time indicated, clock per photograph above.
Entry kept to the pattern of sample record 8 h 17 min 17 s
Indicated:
11 h 03 min 56 s
